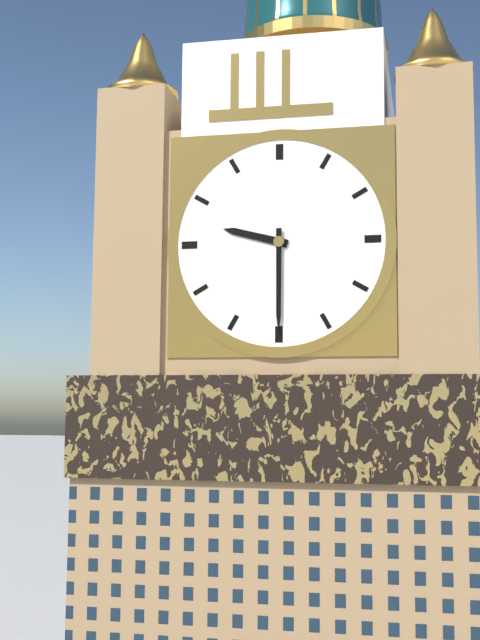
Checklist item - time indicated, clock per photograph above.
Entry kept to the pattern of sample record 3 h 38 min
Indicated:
9 h 30 min
